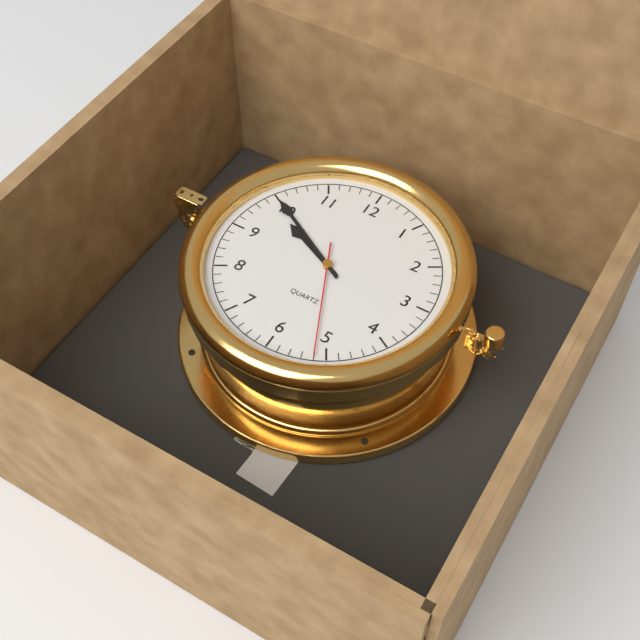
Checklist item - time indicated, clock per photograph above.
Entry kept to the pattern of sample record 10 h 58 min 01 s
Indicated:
9 h 50 min 26 s
